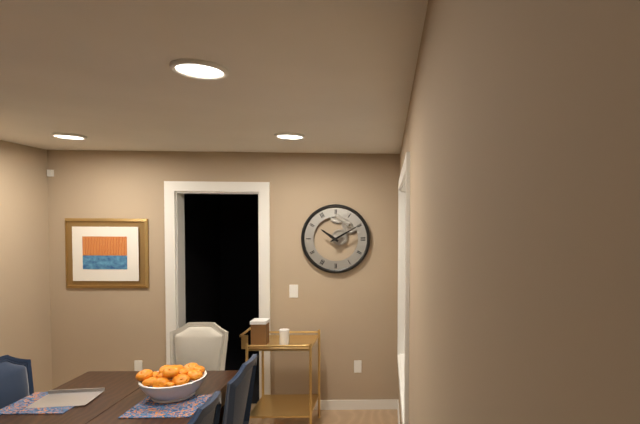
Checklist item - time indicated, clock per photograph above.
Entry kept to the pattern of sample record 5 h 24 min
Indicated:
10 h 10 min
